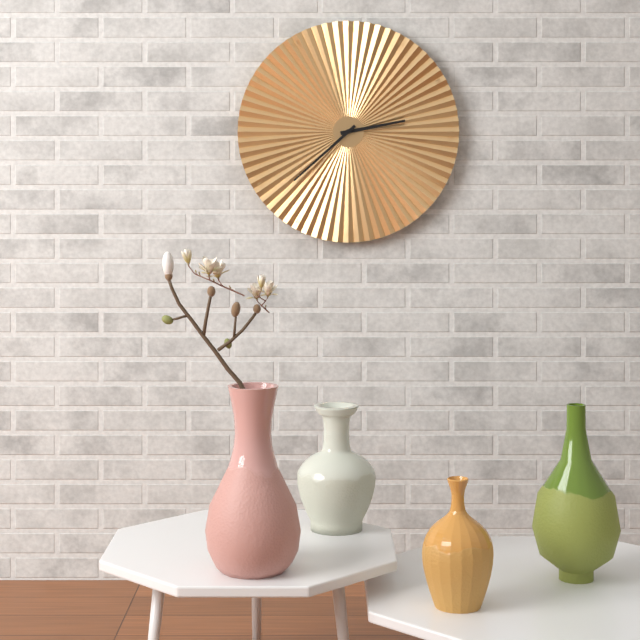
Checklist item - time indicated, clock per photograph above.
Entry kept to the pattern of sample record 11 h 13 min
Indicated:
2 h 38 min
